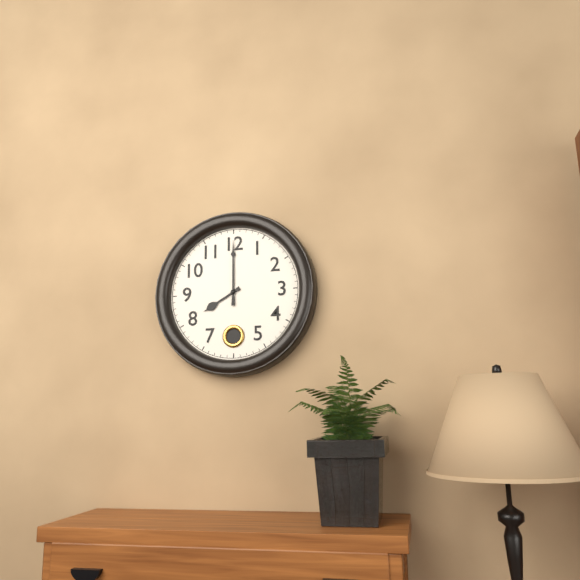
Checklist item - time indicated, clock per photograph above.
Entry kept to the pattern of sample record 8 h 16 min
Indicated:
8 h 00 min
